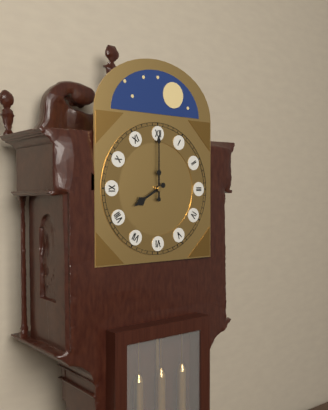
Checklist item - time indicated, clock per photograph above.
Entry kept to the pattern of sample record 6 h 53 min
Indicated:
8 h 00 min
